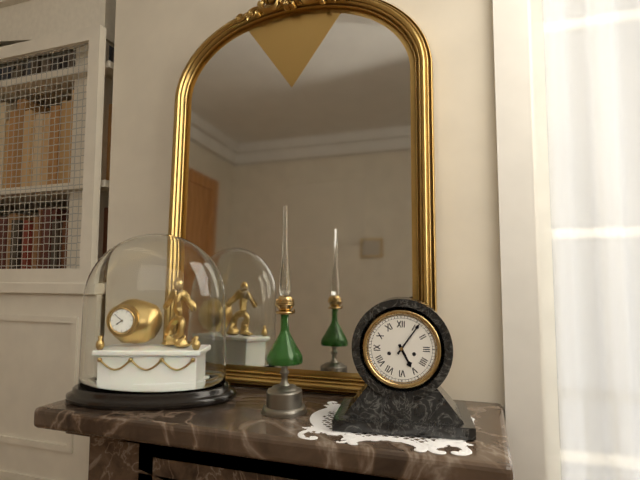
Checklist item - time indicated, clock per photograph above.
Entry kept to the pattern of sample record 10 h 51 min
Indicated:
5 h 06 min
